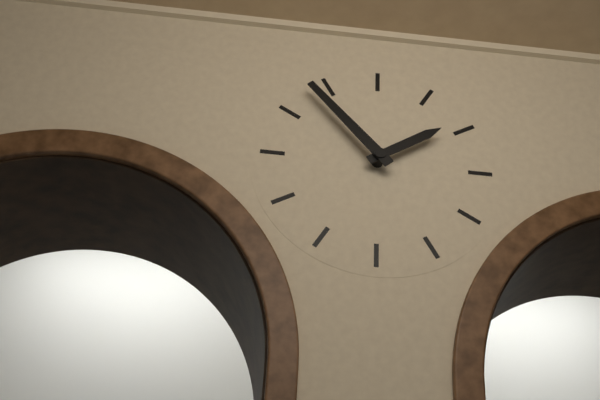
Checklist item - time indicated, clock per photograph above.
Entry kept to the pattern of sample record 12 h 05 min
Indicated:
1 h 53 min
